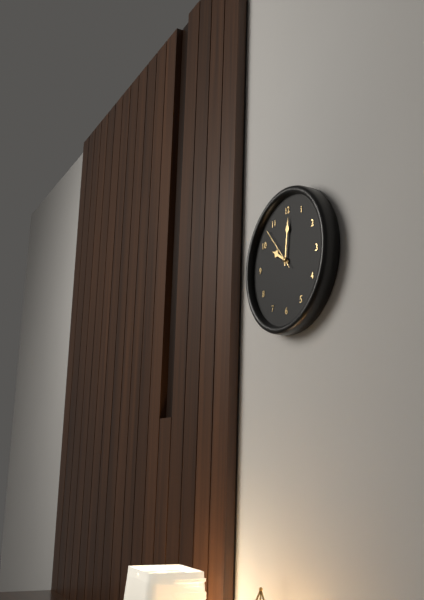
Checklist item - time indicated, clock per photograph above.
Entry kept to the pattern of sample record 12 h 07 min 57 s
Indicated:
10 h 01 min 53 s
